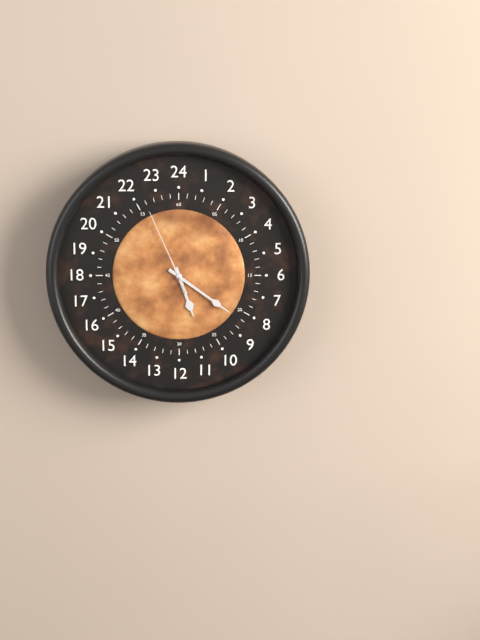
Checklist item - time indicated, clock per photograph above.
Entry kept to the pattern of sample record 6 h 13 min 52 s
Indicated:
5 h 21 min 56 s
